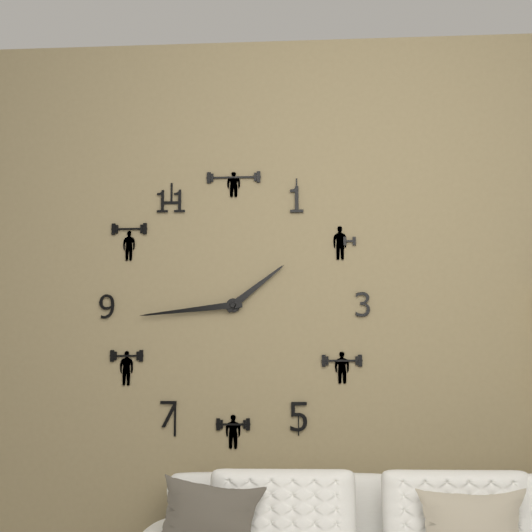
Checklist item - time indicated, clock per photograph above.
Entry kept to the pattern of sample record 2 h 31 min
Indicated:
1 h 44 min
